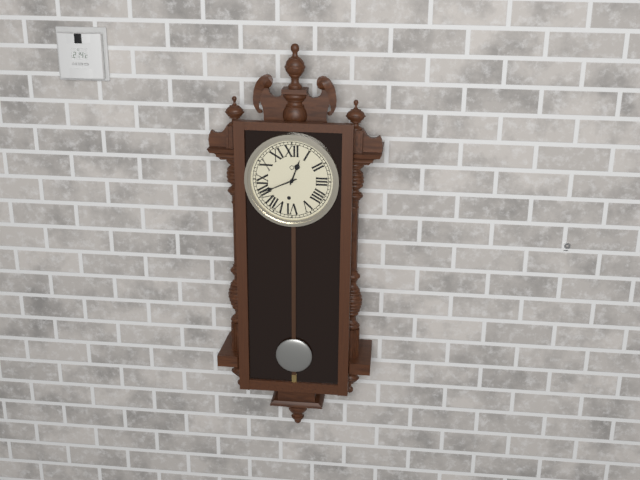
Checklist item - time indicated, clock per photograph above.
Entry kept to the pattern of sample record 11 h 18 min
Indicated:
12 h 41 min
